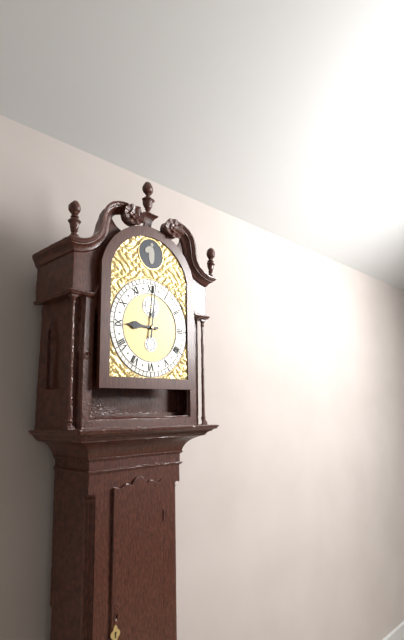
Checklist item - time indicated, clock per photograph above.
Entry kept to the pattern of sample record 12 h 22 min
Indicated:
9 h 01 min
